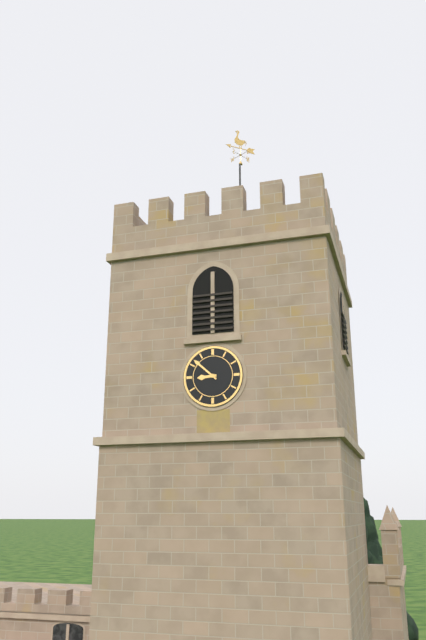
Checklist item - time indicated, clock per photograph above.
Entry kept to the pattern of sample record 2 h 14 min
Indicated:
8 h 52 min
